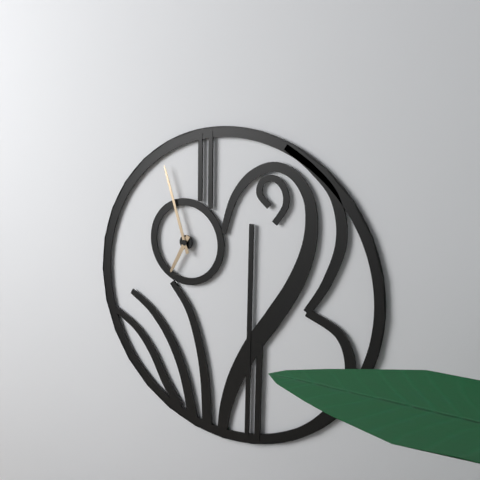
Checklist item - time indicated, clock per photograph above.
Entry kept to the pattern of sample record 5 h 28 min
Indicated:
6 h 57 min
